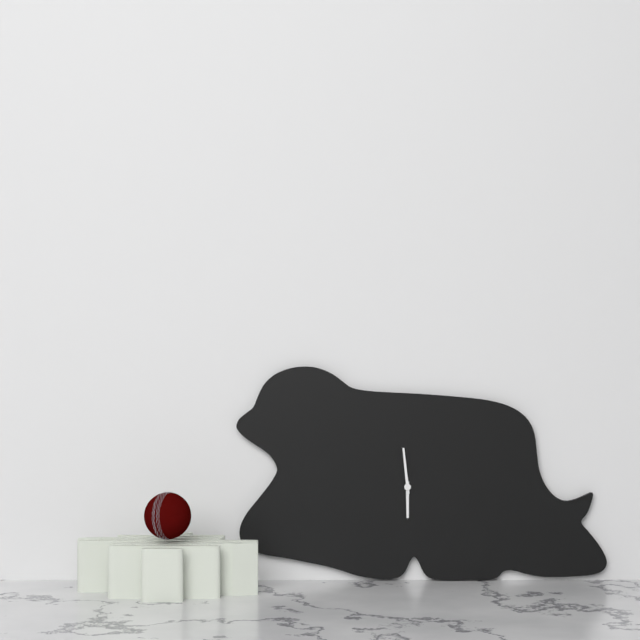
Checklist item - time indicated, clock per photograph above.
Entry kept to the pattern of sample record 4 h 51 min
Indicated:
5 h 59 min
